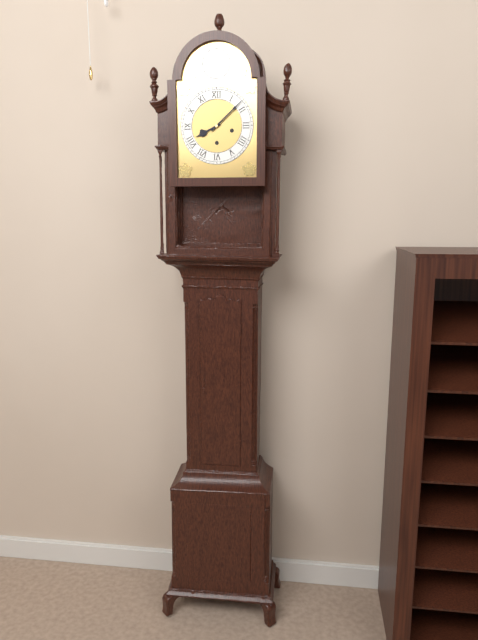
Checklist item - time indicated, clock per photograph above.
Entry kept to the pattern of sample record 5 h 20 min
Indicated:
8 h 08 min
